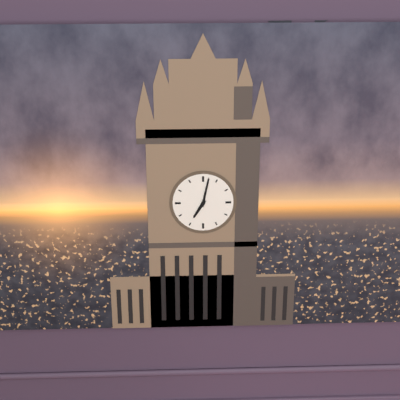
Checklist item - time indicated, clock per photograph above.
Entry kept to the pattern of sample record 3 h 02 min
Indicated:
7 h 02 min
